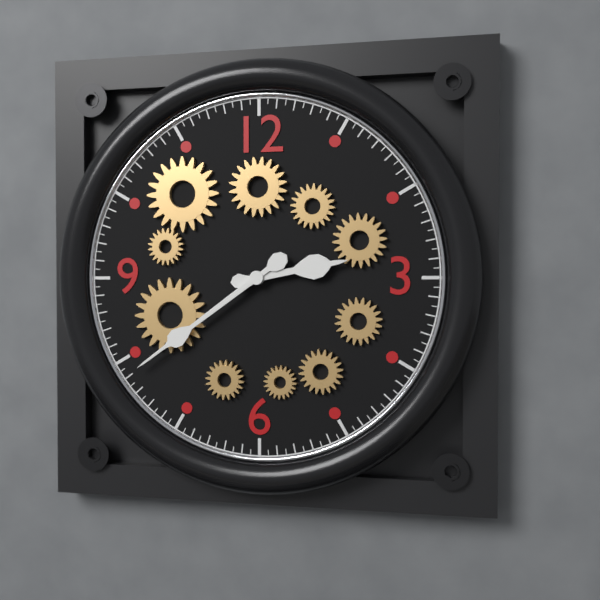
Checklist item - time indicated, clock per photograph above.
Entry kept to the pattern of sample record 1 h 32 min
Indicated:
2 h 39 min
